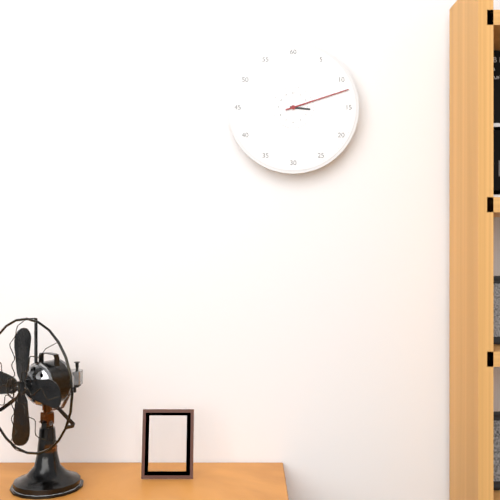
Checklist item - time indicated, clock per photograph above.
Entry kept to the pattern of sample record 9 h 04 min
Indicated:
3 h 12 min
